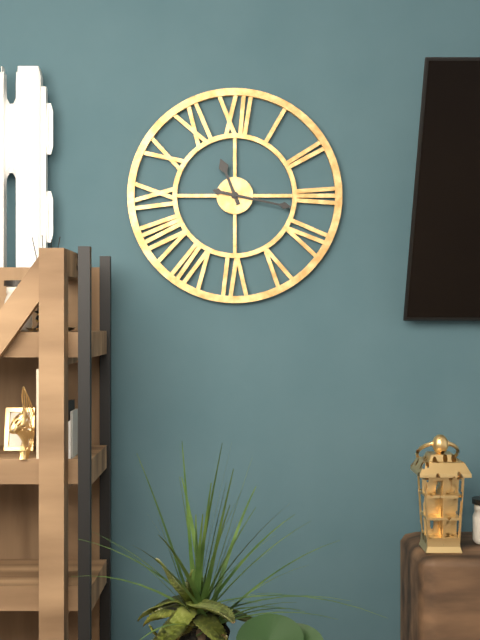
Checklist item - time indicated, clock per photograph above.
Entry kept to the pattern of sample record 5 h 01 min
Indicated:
11 h 17 min
